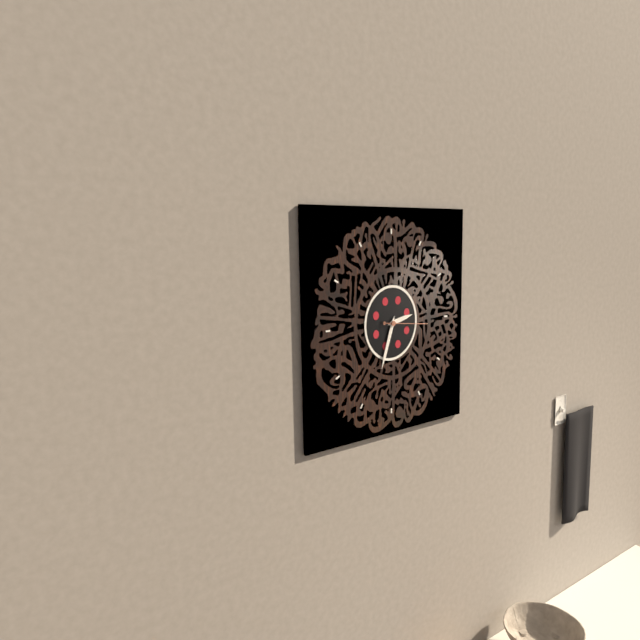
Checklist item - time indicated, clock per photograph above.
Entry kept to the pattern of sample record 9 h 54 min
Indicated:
2 h 33 min
